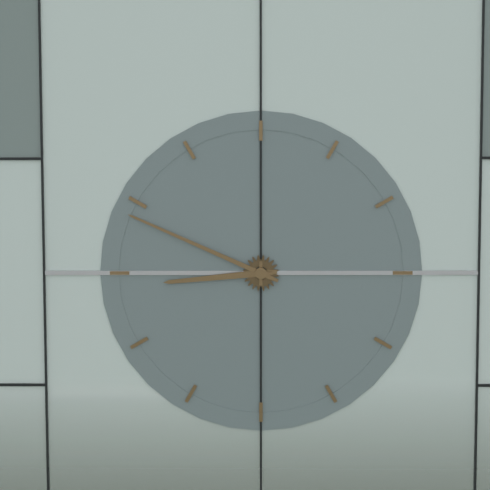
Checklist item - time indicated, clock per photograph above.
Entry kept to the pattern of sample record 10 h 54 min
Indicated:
8 h 49 min
